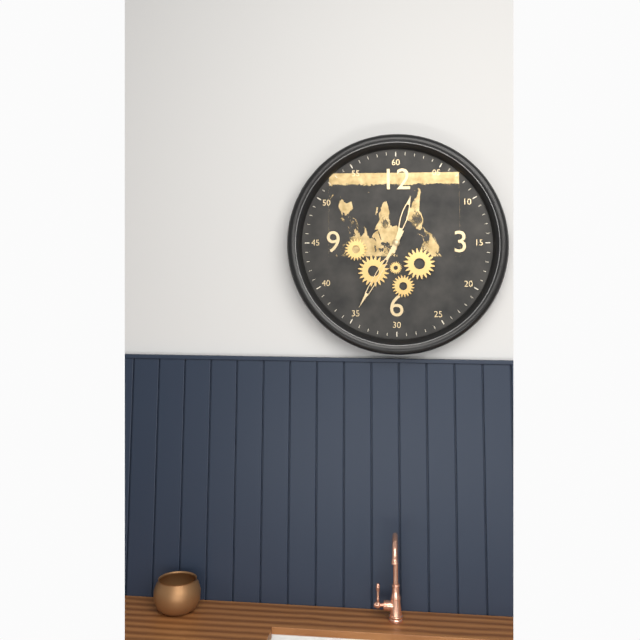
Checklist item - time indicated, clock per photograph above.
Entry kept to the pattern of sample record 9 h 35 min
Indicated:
12 h 35 min
